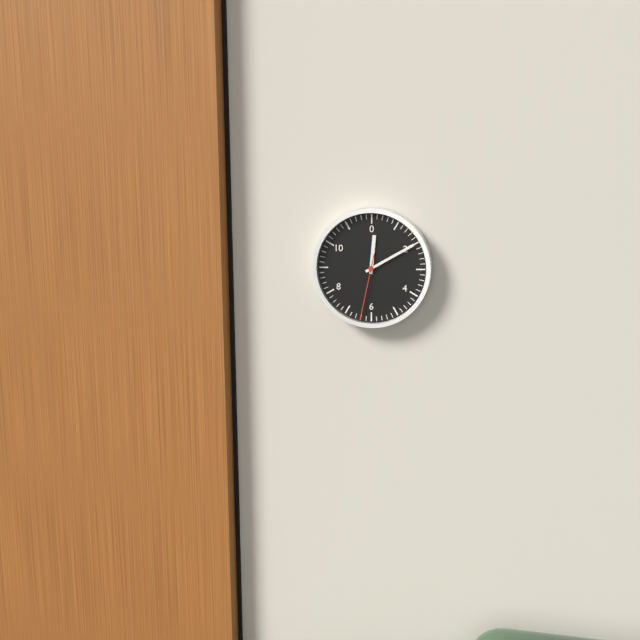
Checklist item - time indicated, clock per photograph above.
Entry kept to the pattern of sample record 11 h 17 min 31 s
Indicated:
12 h 10 min 32 s
